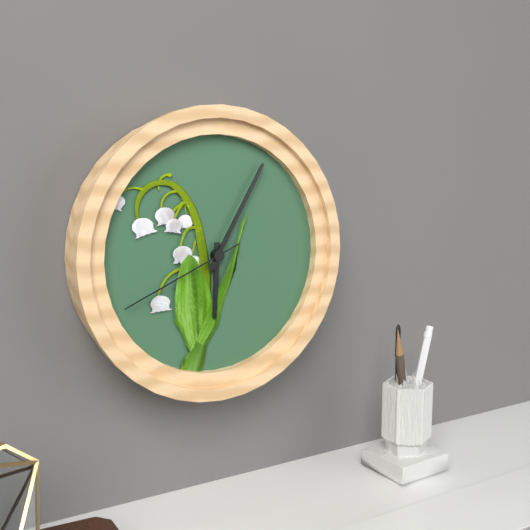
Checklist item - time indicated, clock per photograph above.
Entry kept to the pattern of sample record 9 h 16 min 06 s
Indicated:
6 h 05 min 41 s
